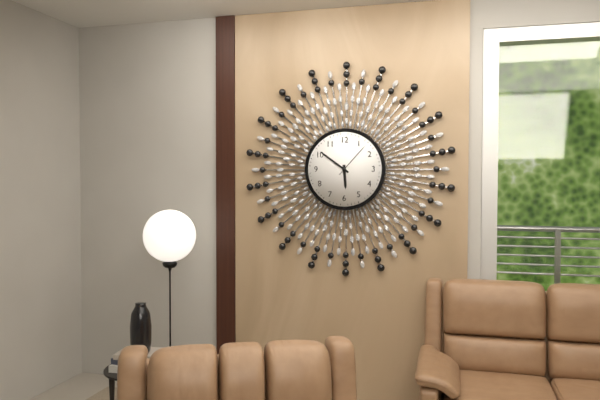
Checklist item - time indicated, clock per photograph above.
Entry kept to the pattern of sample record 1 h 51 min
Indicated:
5 h 51 min
